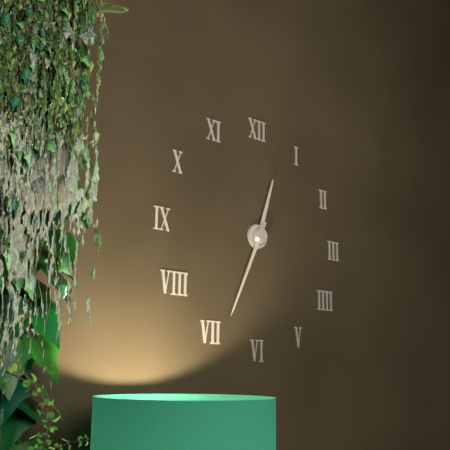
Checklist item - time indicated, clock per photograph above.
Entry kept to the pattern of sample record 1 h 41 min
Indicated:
12 h 34 min
